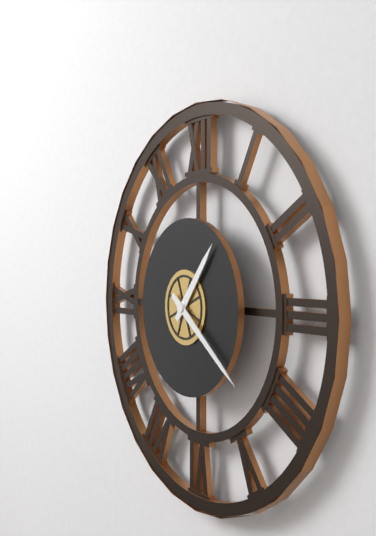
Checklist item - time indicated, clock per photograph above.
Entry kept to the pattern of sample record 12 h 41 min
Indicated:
1 h 21 min
